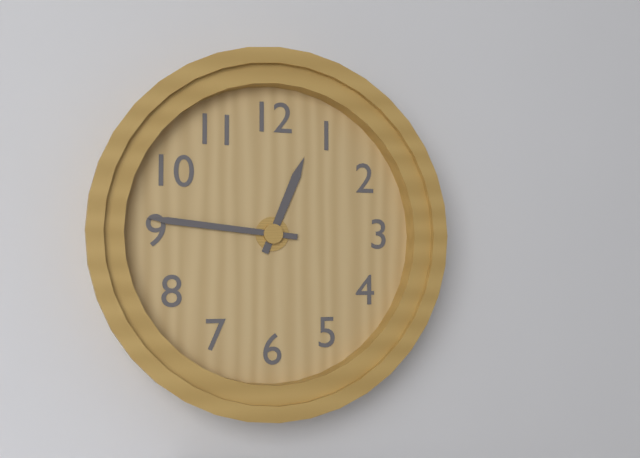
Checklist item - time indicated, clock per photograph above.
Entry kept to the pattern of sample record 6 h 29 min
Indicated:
12 h 46 min
